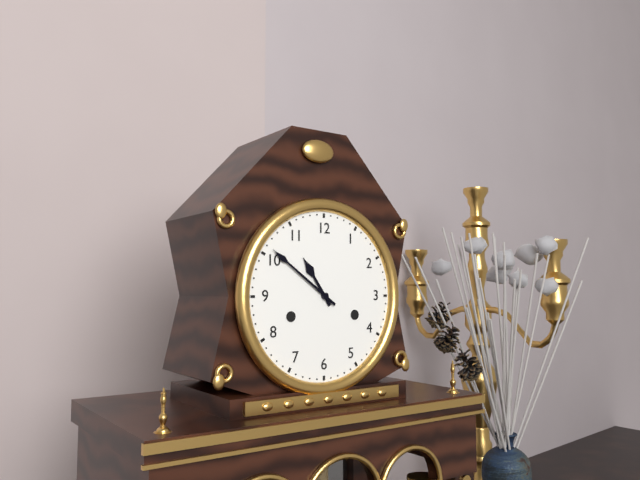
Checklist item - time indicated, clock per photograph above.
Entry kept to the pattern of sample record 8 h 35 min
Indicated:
10 h 51 min
